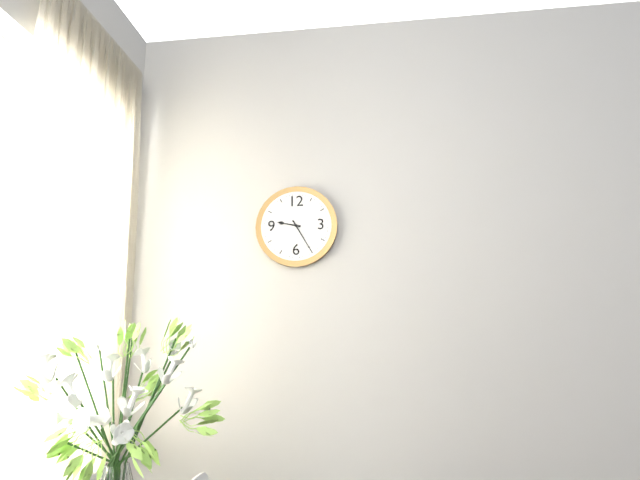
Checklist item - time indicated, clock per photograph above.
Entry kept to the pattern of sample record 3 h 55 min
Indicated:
9 h 25 min
